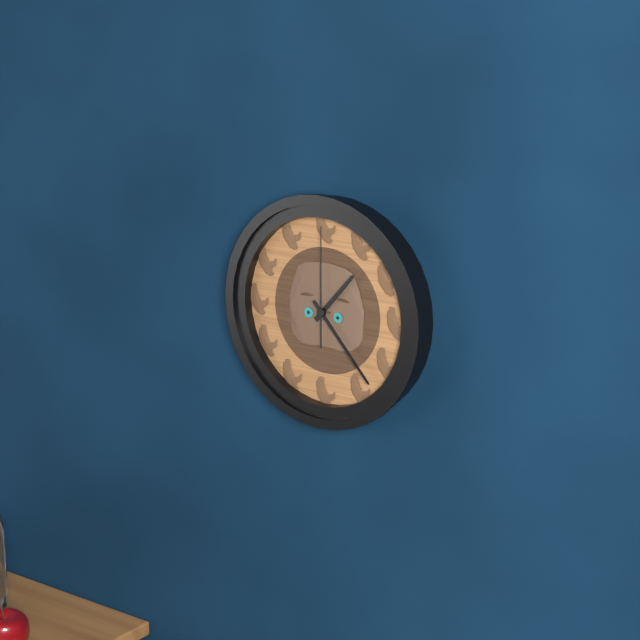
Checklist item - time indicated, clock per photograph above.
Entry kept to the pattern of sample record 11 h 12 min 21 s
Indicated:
1 h 23 min 00 s
